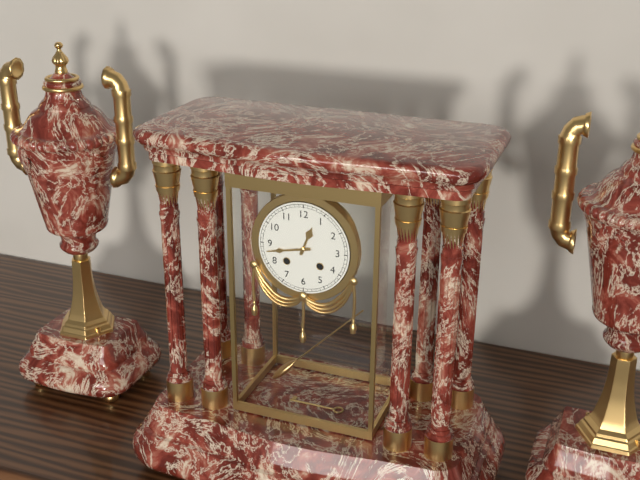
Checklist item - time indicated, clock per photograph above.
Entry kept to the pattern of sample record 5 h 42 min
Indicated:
12 h 43 min
